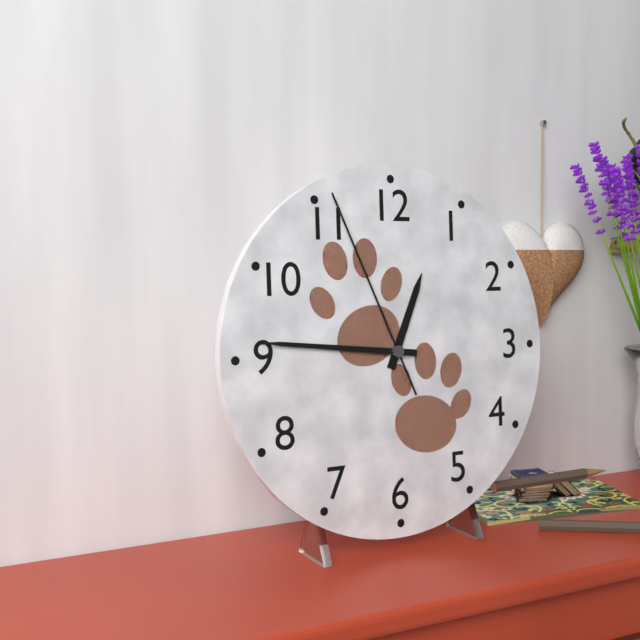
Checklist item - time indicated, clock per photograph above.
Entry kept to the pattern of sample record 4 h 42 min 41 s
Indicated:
12 h 46 min 56 s
